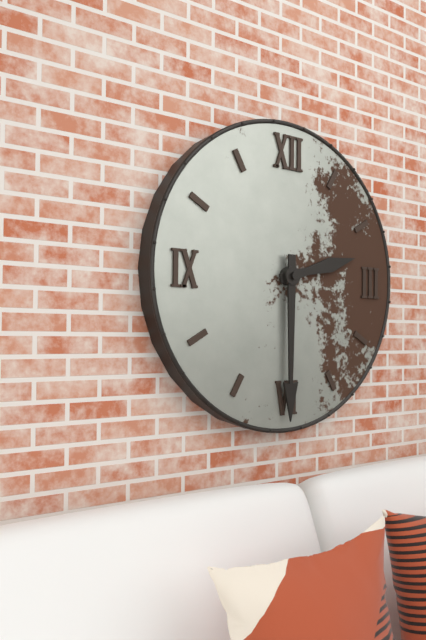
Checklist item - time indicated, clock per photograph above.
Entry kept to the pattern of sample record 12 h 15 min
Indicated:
2 h 30 min
